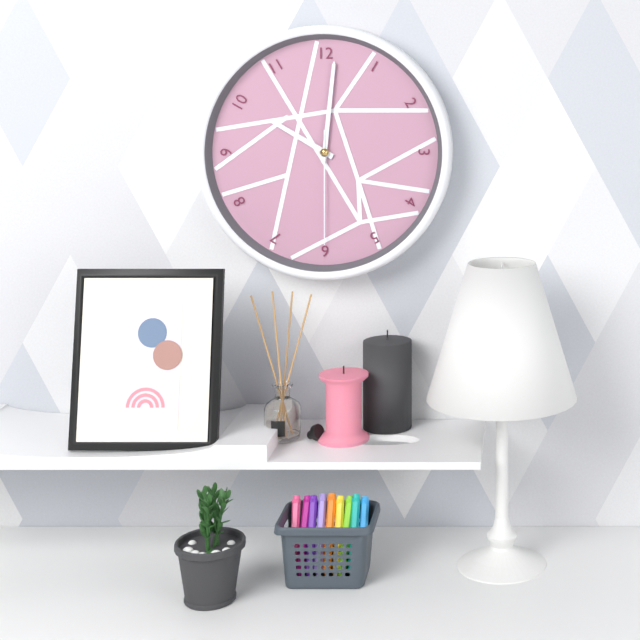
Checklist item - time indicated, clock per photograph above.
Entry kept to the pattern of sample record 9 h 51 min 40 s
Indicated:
10 h 01 min 30 s
